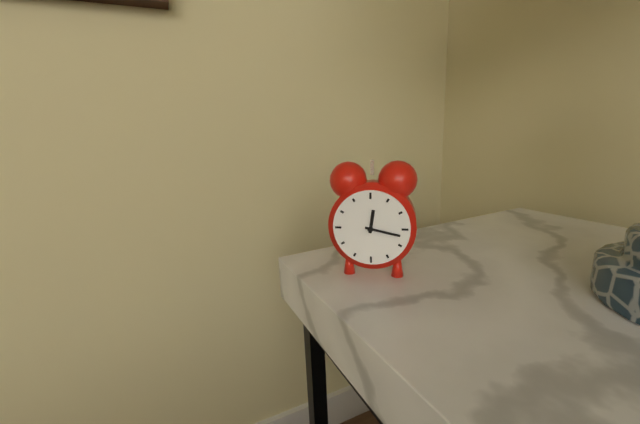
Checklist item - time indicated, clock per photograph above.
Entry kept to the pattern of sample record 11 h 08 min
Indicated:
12 h 17 min
